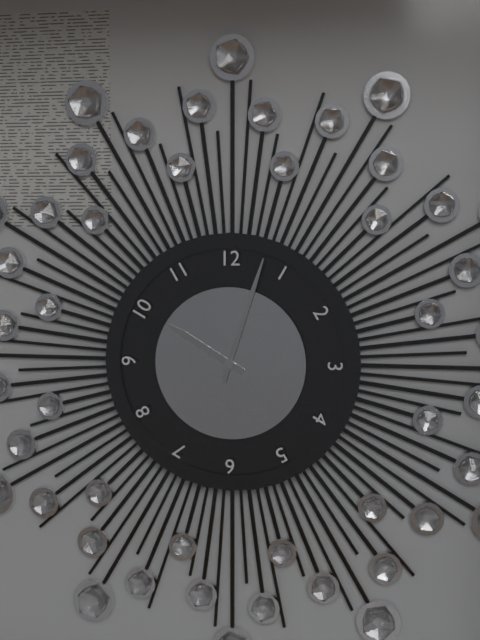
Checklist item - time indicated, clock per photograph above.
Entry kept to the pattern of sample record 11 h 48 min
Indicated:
10 h 03 min
